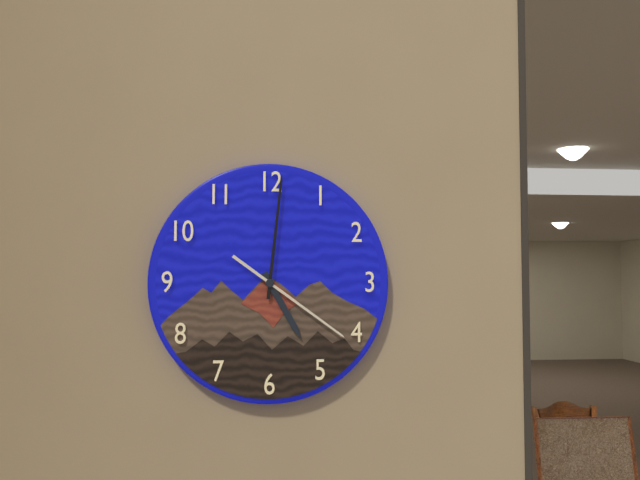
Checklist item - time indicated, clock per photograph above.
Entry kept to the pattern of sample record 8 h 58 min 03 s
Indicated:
5 h 01 min 21 s
